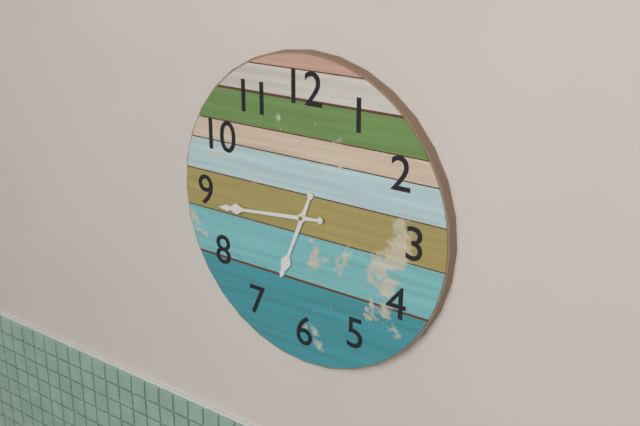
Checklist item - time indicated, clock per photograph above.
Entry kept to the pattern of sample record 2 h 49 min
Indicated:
6 h 44 min
